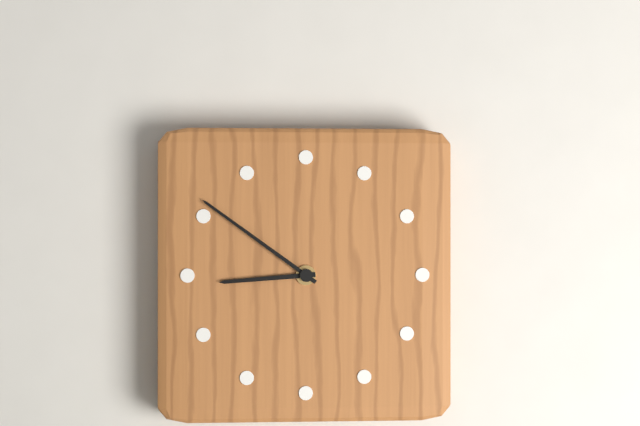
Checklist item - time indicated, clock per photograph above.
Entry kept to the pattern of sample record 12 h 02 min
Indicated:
8 h 51 min
